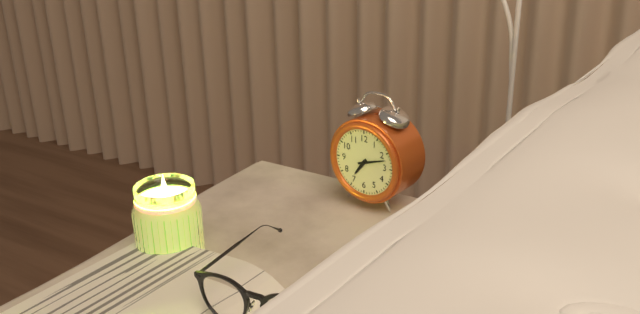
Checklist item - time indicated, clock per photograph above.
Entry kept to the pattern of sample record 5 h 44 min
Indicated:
7 h 12 min
